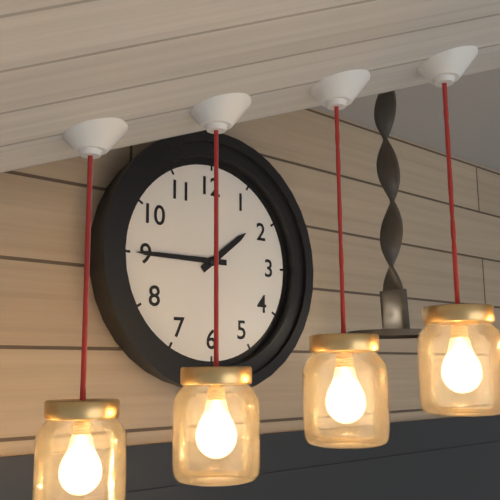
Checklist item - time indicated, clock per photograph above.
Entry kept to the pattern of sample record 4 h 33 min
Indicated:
1 h 45 min
